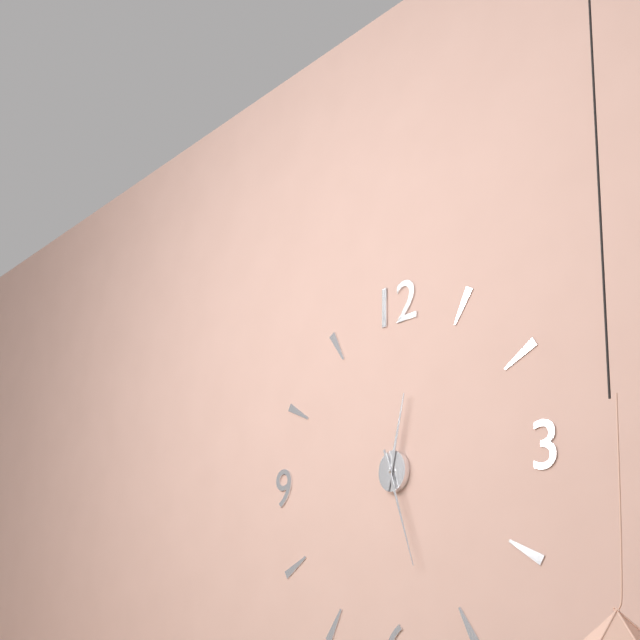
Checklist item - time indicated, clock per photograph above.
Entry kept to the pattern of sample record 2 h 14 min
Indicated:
12 h 27 min
